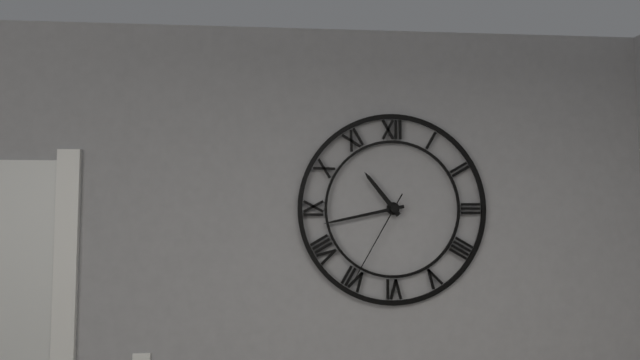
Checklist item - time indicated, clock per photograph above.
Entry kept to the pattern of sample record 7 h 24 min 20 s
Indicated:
10 h 43 min 35 s
